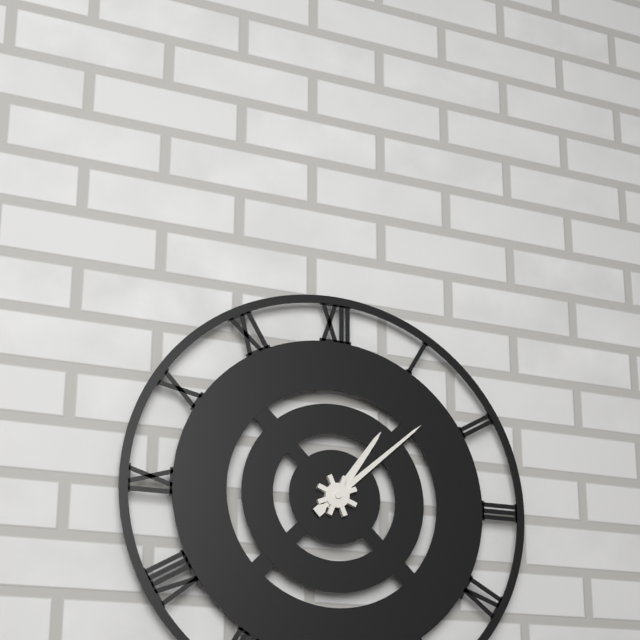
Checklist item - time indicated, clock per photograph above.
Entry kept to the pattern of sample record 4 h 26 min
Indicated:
1 h 08 min
